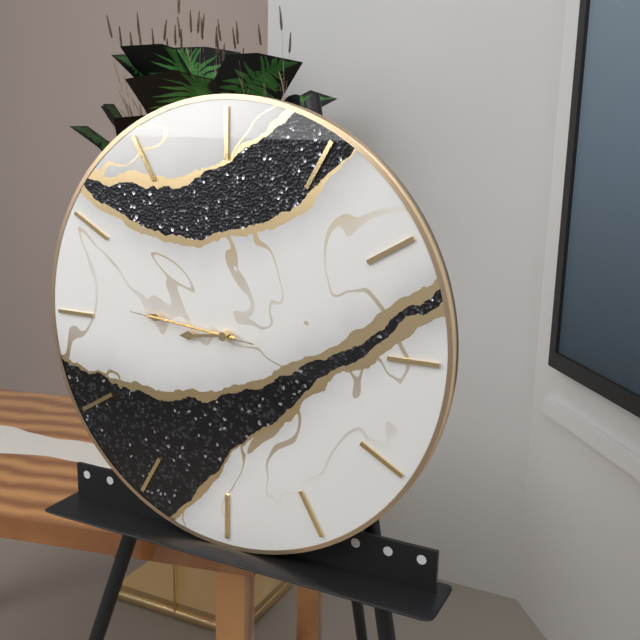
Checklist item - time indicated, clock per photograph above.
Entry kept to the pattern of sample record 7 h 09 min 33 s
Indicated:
8 h 46 min 46 s
